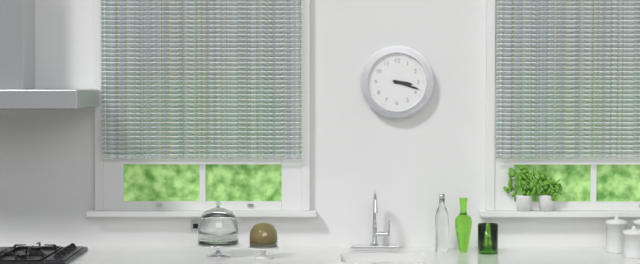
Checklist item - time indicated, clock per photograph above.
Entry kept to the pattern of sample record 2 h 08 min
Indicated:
3 h 18 min
